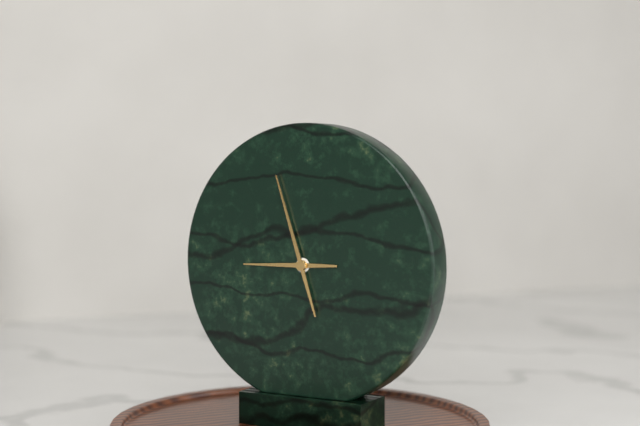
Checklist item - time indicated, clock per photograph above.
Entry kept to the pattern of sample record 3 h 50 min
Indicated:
8 h 57 min
